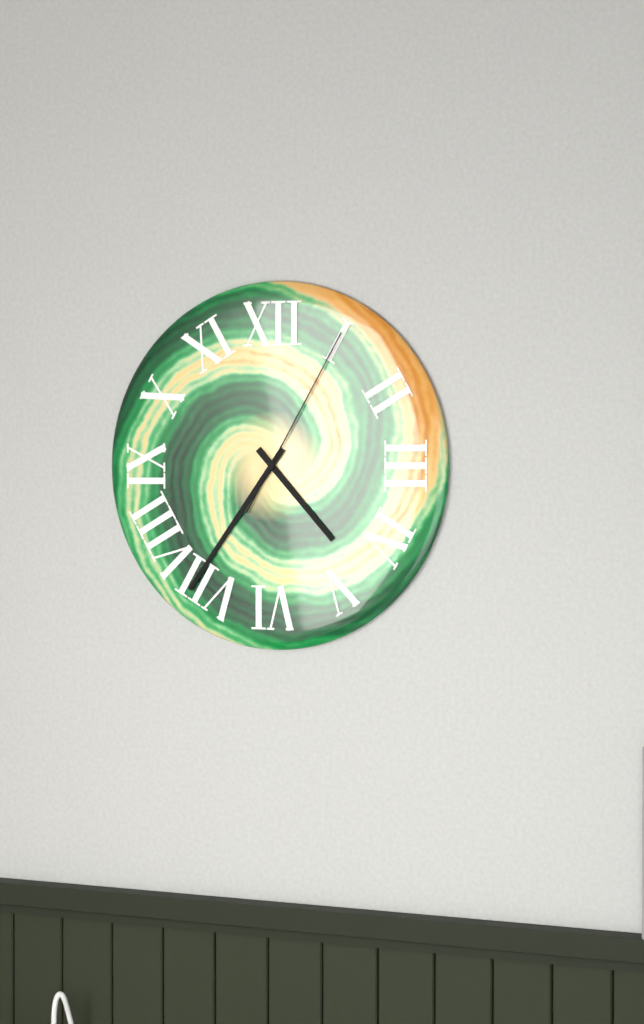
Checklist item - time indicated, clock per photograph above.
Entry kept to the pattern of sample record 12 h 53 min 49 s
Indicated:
4 h 36 min 05 s
